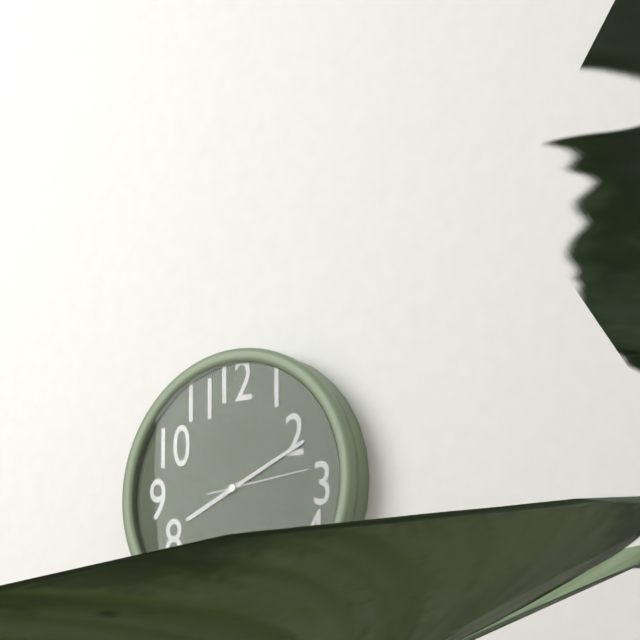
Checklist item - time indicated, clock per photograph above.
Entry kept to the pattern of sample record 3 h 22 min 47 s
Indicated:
8 h 11 min 14 s
